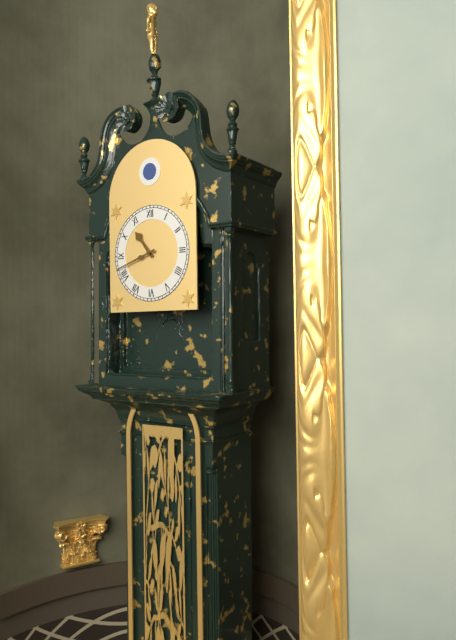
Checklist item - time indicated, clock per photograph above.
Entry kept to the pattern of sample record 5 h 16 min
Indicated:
10 h 42 min
